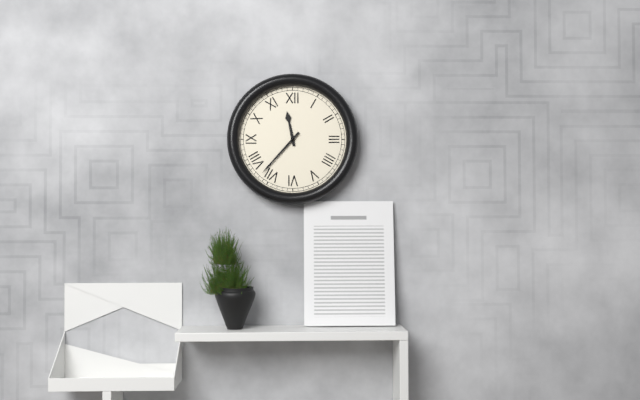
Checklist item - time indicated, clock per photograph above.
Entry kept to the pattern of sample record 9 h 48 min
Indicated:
11 h 37 min
